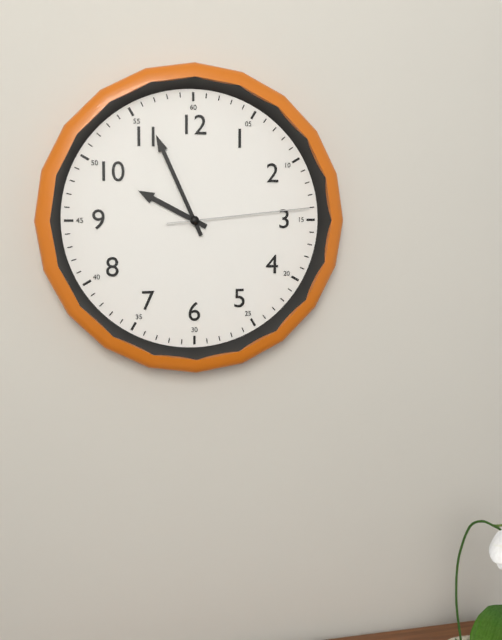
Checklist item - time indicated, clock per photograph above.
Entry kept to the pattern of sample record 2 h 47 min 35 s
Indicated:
9 h 56 min 14 s
